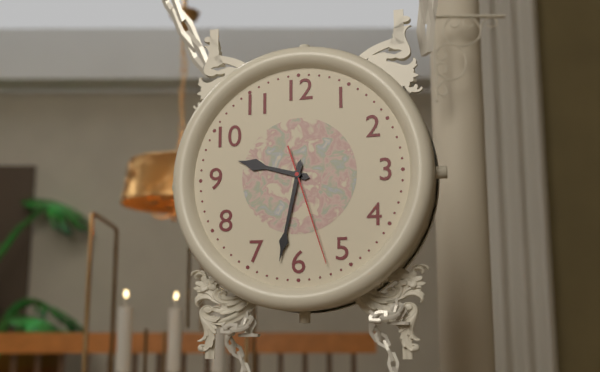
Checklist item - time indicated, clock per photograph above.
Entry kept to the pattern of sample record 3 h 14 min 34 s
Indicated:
9 h 32 min 27 s
